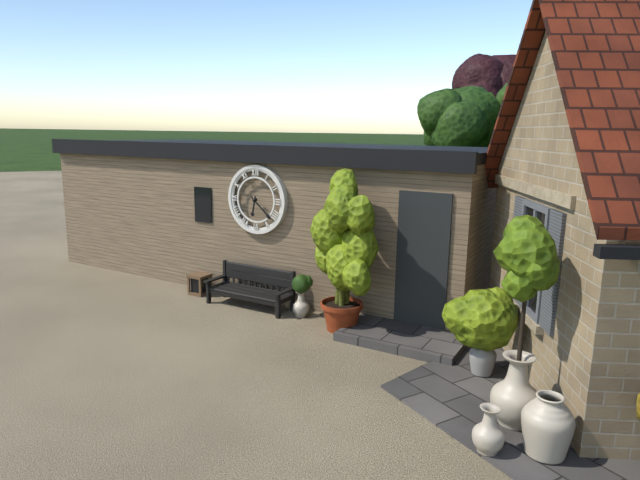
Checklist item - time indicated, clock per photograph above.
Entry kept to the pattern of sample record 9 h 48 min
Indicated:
6 h 22 min
